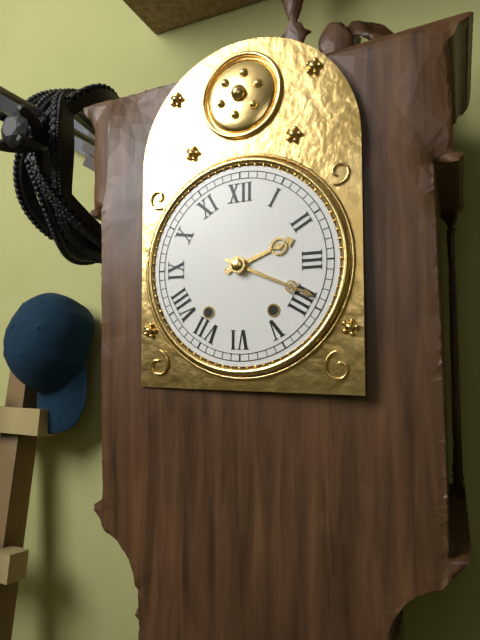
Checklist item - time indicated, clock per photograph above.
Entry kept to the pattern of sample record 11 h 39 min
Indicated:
2 h 19 min
